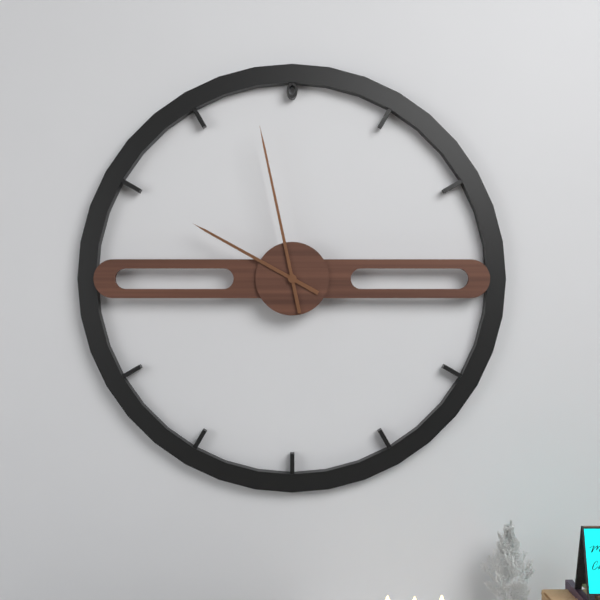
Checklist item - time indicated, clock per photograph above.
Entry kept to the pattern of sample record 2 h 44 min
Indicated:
9 h 58 min
